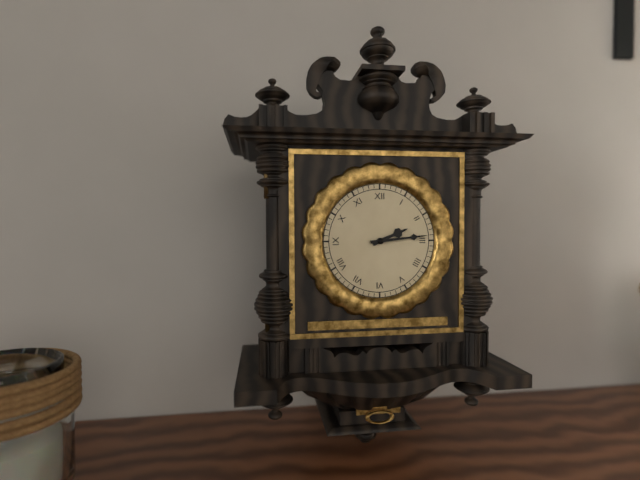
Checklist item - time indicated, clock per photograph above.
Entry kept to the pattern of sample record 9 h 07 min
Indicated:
2 h 14 min
